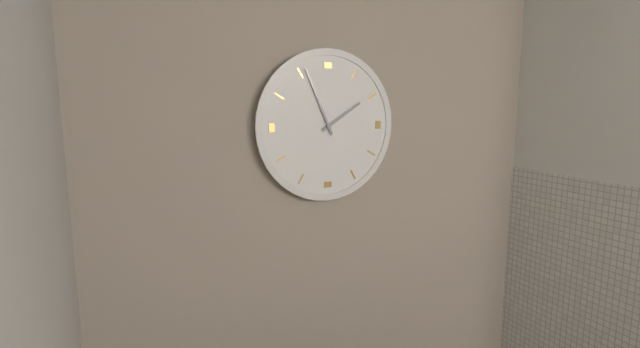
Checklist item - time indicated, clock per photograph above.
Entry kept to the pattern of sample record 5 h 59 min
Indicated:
1 h 56 min
